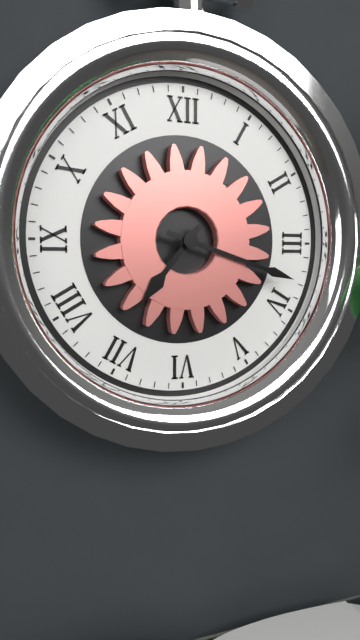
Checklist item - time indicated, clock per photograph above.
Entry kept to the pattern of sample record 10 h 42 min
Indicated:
7 h 18 min
